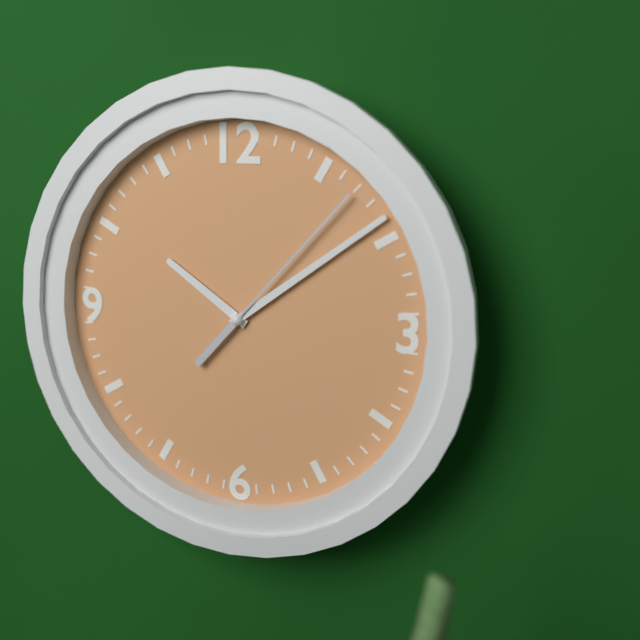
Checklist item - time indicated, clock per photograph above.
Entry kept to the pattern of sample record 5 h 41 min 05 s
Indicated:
10 h 09 min 07 s
